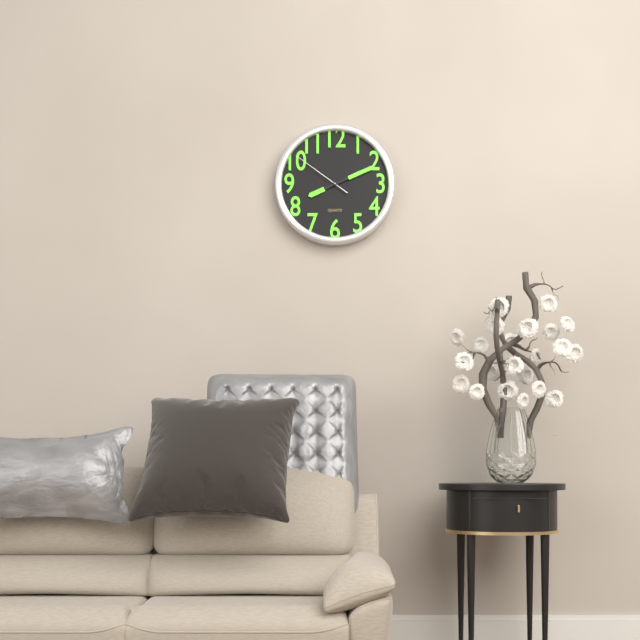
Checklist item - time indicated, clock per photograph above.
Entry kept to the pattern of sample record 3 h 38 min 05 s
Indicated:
8 h 11 min 51 s
